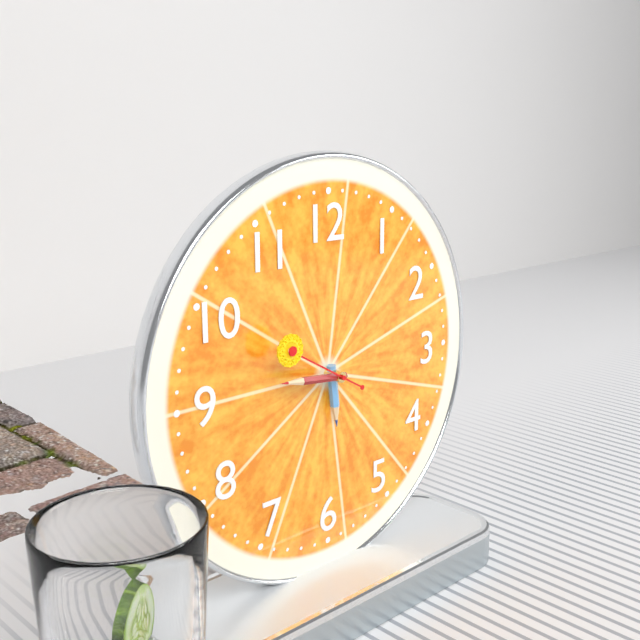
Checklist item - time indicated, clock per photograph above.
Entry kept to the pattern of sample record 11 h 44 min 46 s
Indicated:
5 h 46 min 50 s
